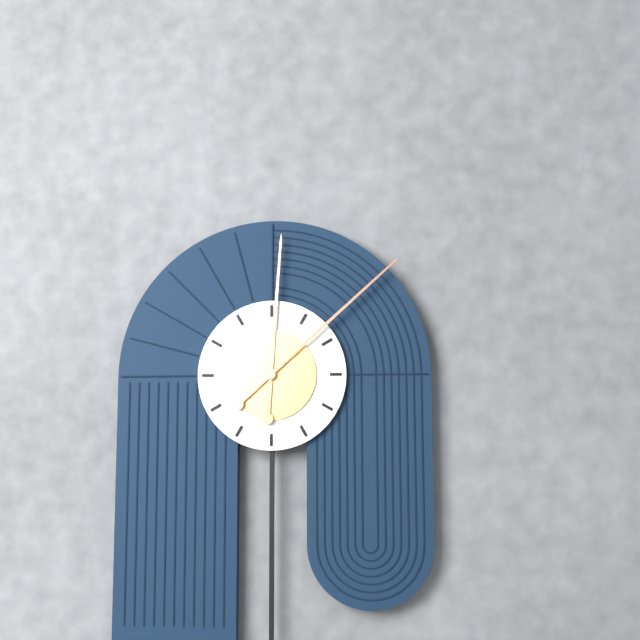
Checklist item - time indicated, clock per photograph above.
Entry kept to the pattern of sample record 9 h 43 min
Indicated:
12 h 08 min
